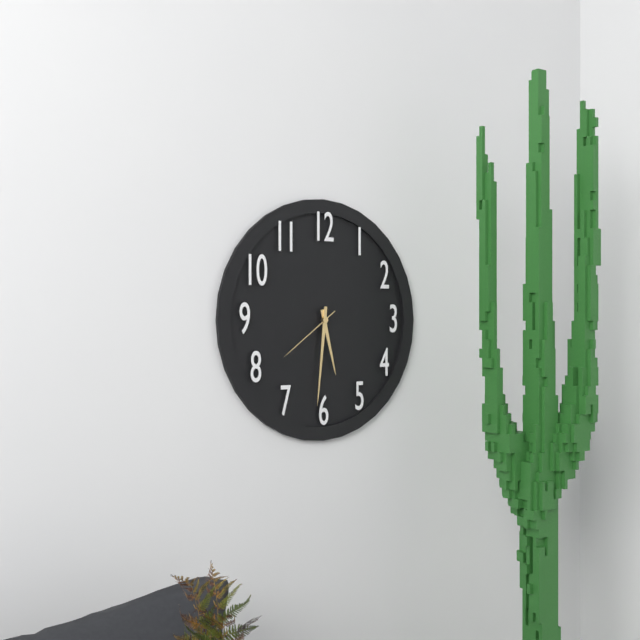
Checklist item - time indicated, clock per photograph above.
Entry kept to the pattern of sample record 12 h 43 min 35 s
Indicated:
5 h 31 min 39 s
